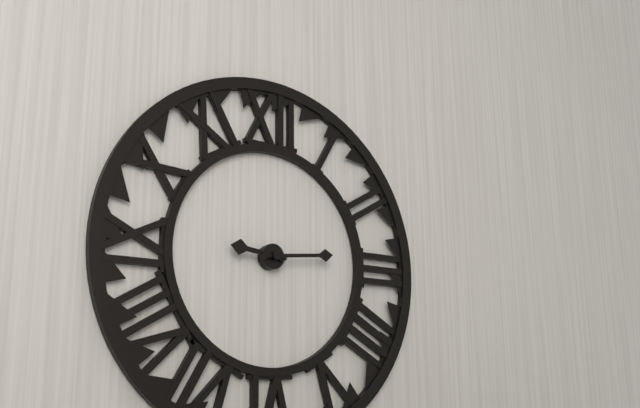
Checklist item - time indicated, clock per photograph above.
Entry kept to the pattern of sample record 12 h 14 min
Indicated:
9 h 14 min
